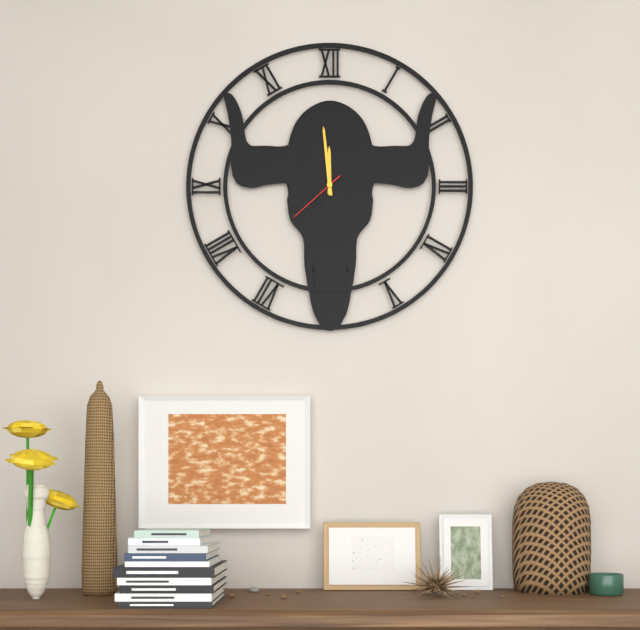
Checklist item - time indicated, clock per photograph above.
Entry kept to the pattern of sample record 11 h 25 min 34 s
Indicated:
11 h 59 min 38 s
